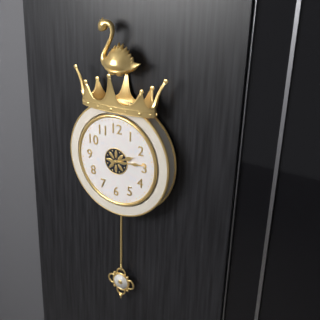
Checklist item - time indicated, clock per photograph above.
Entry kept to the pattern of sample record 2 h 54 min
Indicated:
2 h 14 min
